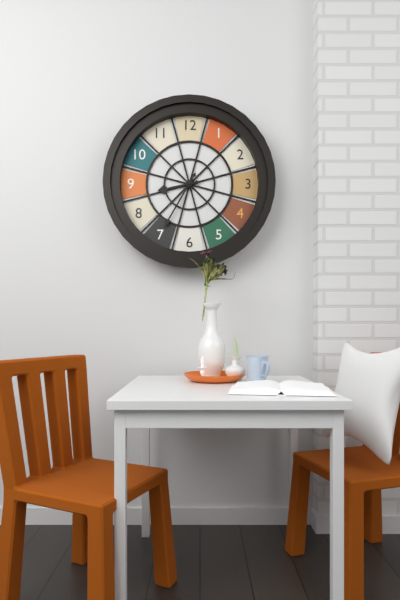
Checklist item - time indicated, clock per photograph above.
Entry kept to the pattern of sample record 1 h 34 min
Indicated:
8 h 35 min
